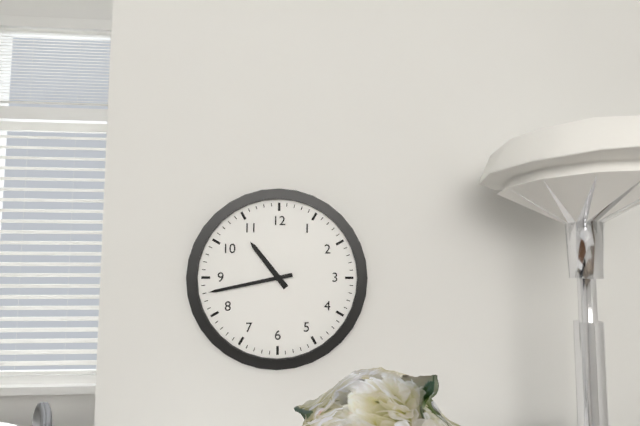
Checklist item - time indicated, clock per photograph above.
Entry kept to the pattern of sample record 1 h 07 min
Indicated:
10 h 43 min
